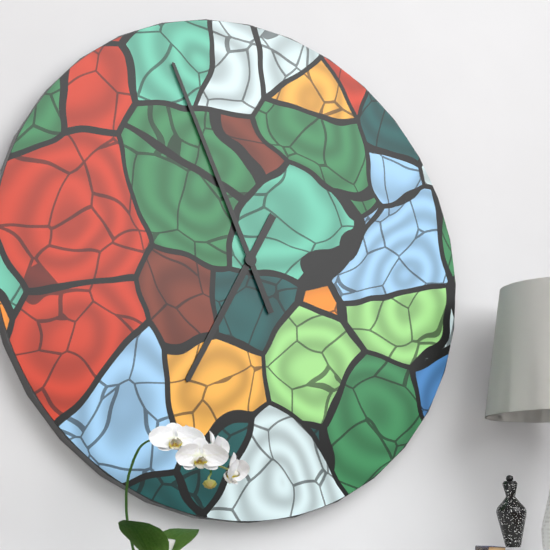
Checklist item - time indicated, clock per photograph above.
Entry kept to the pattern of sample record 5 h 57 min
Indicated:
6 h 56 min
